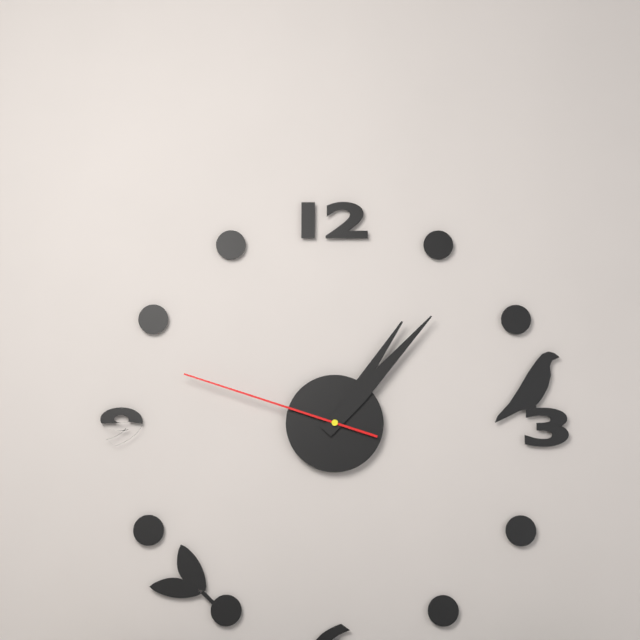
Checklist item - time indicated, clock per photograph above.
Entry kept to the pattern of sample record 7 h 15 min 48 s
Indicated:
1 h 07 min 48 s
